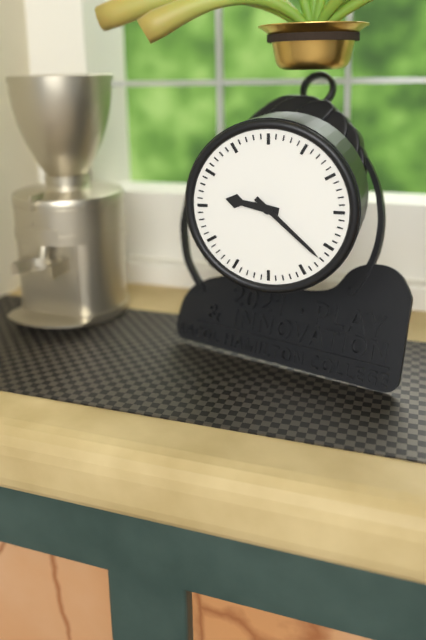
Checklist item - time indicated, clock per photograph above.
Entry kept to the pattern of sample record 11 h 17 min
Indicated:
9 h 22 min
